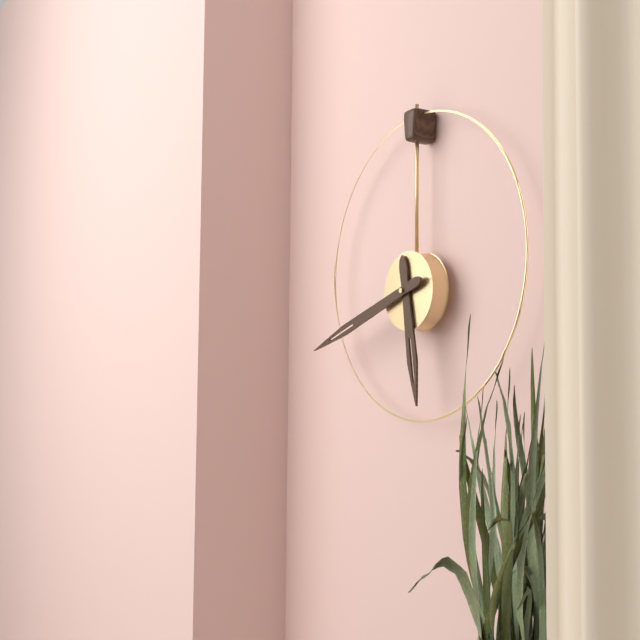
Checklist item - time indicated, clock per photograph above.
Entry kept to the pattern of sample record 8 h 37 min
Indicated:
5 h 42 min
